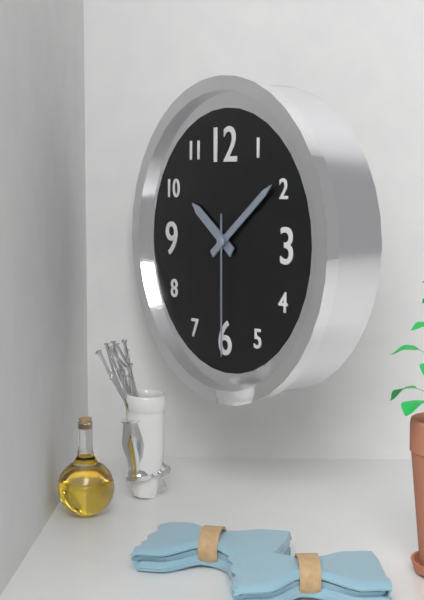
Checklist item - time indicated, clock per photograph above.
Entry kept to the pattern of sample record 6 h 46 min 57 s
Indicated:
10 h 09 min 30 s
